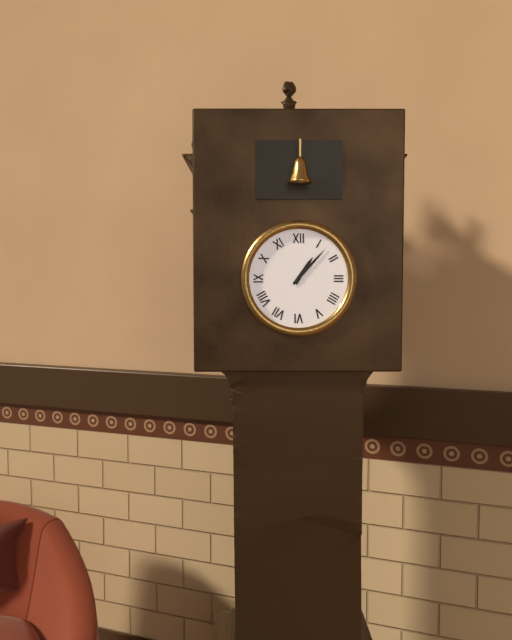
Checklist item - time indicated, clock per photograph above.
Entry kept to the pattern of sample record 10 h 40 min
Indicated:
1 h 07 min
